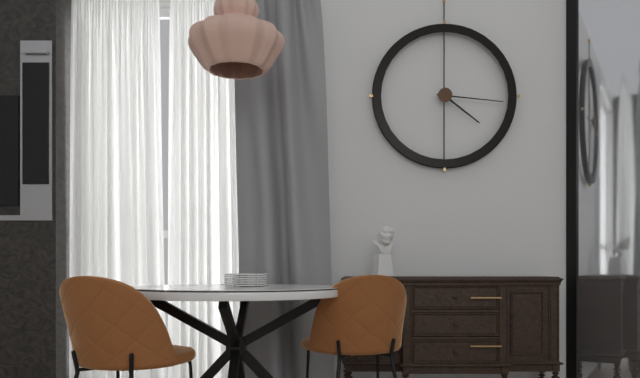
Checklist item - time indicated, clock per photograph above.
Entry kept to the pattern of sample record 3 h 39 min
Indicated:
4 h 16 min
